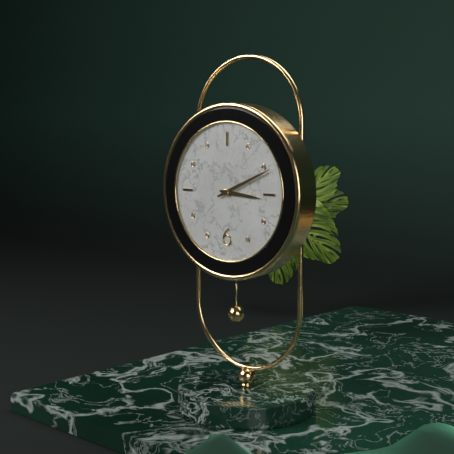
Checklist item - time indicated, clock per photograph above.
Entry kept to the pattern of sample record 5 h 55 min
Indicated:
3 h 11 min
